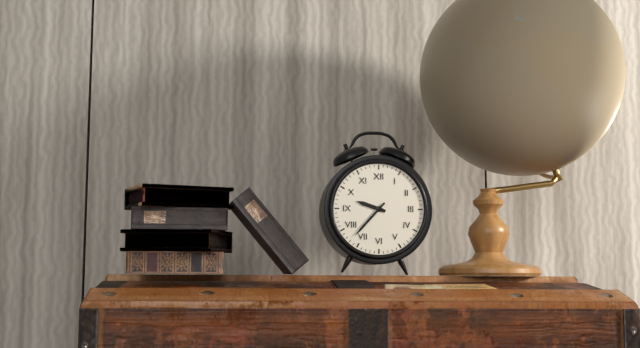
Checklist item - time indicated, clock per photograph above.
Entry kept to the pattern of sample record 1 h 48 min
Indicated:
9 h 37 min
